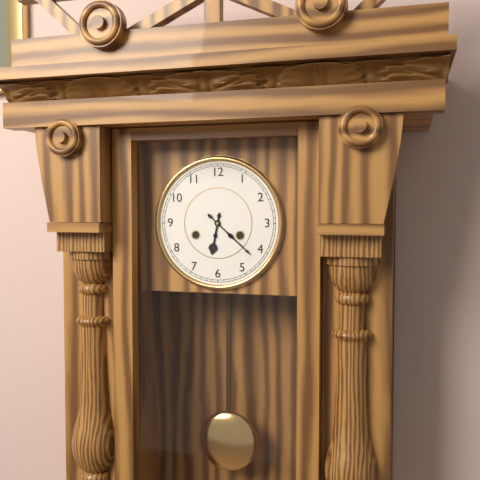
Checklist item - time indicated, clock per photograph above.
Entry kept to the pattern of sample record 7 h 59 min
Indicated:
6 h 22 min
